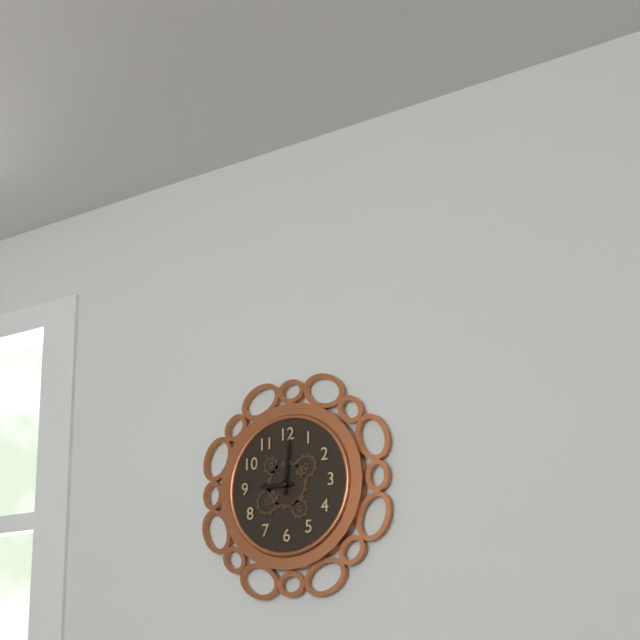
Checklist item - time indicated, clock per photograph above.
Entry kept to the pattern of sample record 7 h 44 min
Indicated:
9 h 01 min
